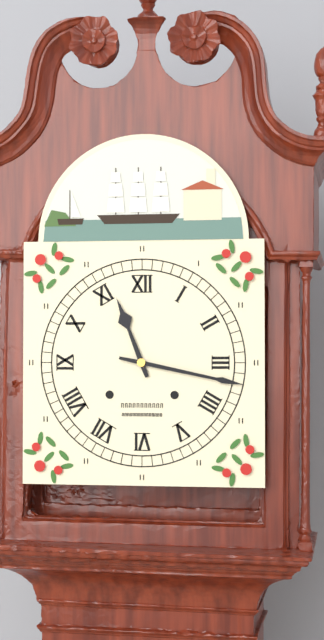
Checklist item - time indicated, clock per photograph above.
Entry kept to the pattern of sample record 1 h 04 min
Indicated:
11 h 17 min
